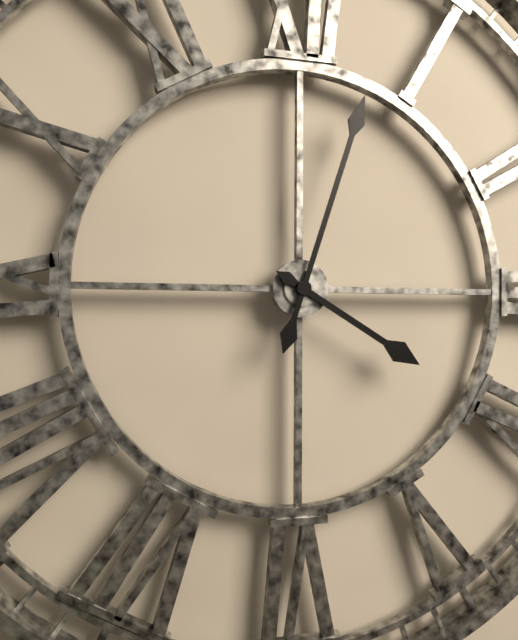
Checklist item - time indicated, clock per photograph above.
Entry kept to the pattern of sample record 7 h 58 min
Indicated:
4 h 03 min
